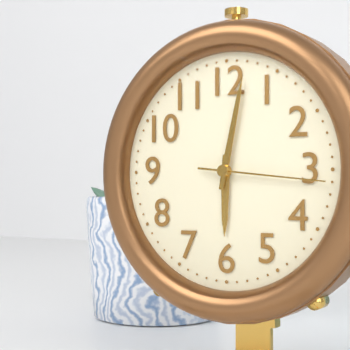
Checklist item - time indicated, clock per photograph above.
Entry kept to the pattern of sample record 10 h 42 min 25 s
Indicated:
6 h 02 min 16 s
